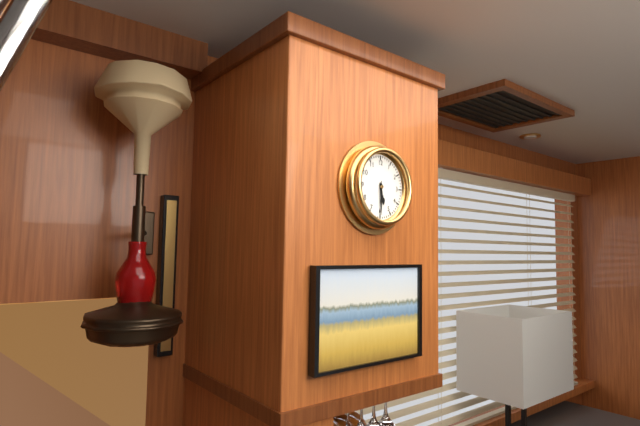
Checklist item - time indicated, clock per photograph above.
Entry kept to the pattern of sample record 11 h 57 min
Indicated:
5 h 30 min
